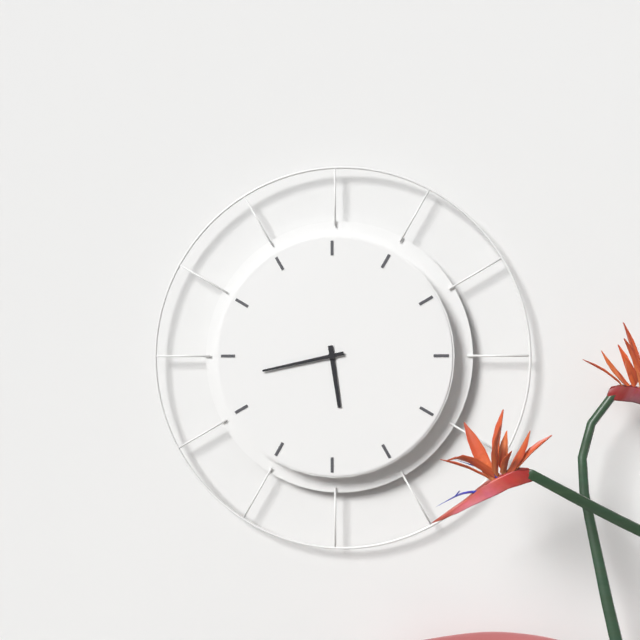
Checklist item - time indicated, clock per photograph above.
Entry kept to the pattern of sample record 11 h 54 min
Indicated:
5 h 43 min
